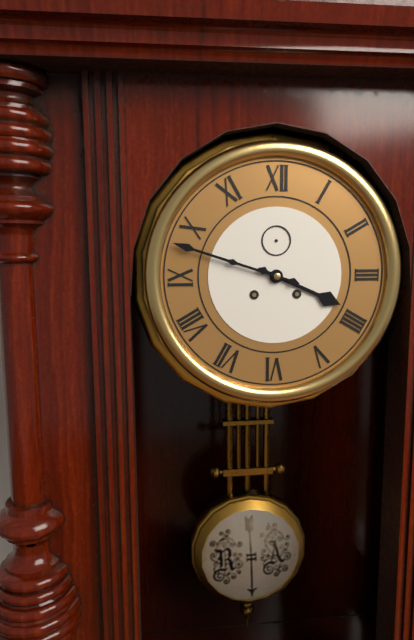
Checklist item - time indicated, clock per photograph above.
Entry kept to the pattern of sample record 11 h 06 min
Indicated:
3 h 48 min
